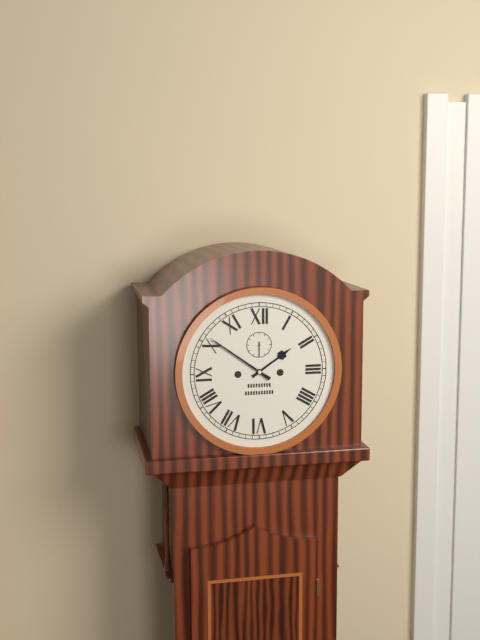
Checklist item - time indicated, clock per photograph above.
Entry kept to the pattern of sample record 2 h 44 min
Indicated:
1 h 51 min
